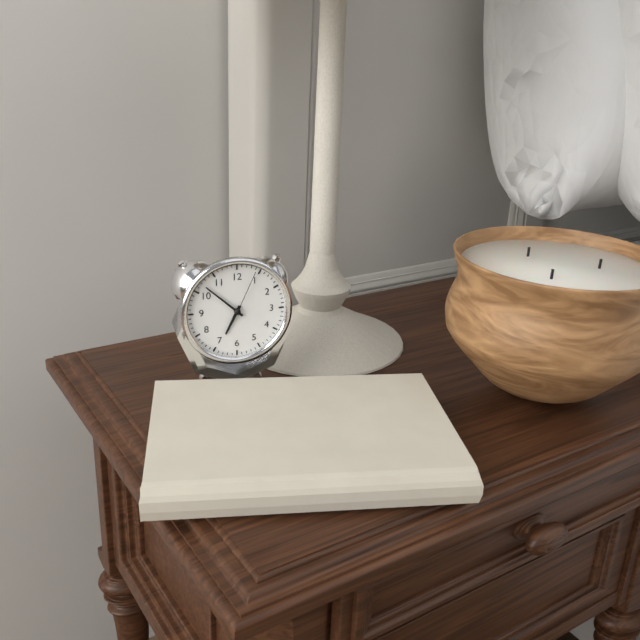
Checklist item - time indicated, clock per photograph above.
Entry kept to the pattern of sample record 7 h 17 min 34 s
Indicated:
6 h 52 min 04 s
